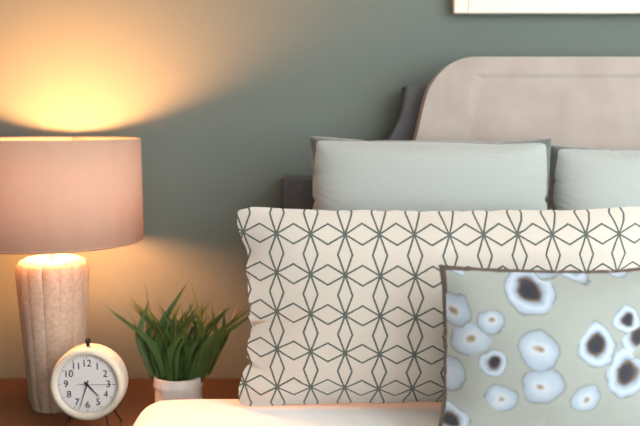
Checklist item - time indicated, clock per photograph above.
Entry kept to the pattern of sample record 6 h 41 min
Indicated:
4 h 33 min
